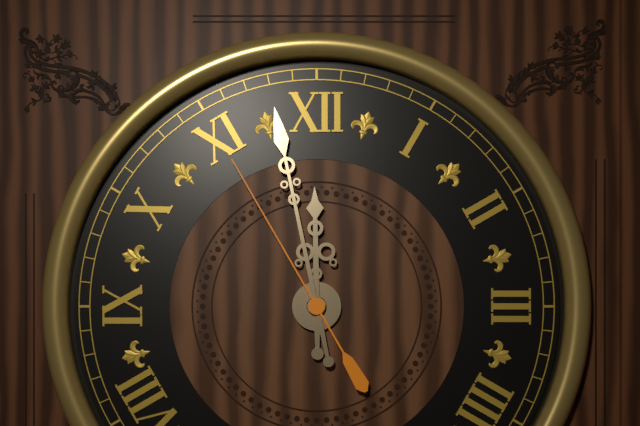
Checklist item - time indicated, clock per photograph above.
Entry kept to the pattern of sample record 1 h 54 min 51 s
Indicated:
11 h 58 min 55 s
